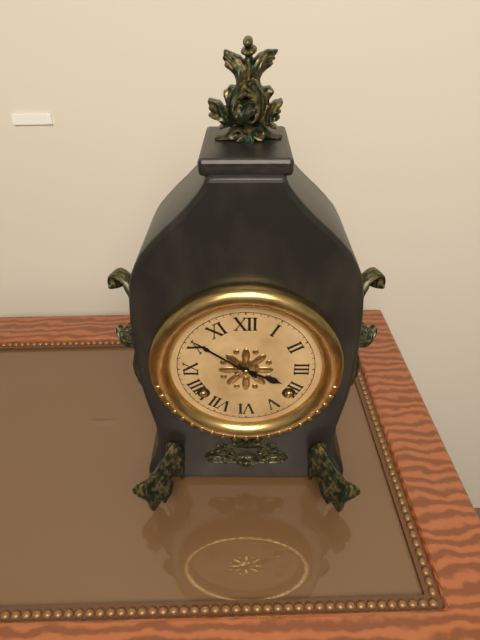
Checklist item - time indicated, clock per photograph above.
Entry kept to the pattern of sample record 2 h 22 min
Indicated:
3 h 51 min
